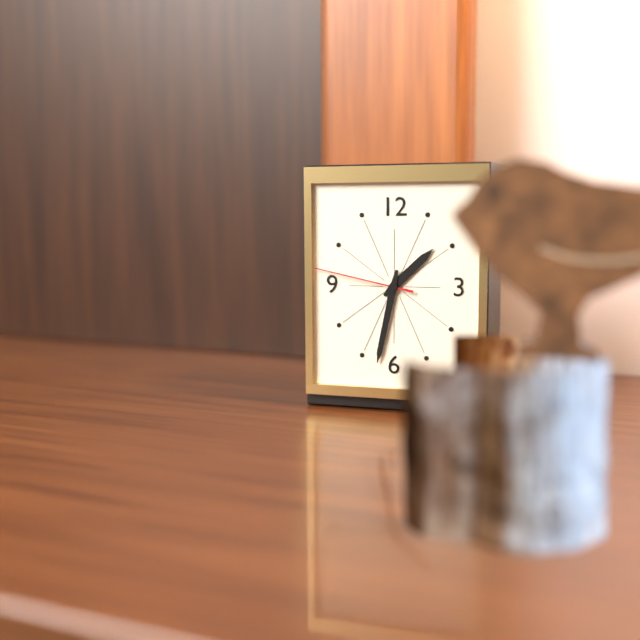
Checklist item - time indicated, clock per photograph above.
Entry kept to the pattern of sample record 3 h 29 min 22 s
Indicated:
1 h 32 min 47 s
